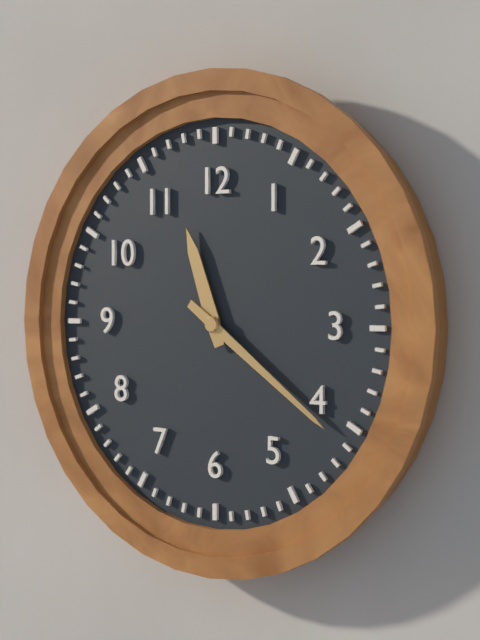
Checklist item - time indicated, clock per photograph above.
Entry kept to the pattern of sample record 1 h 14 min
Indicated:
11 h 21 min
